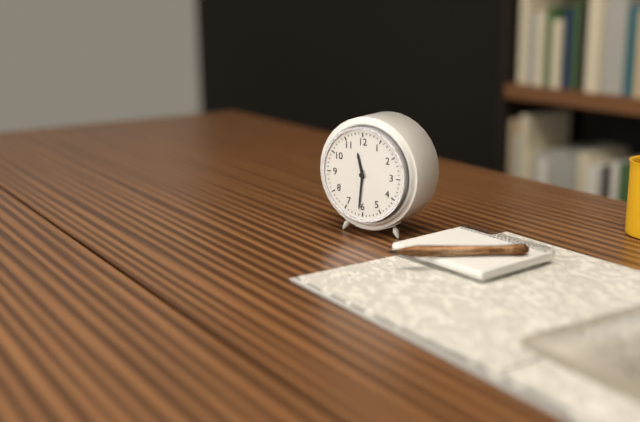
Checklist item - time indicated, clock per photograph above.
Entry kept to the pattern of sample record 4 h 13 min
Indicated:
11 h 31 min
